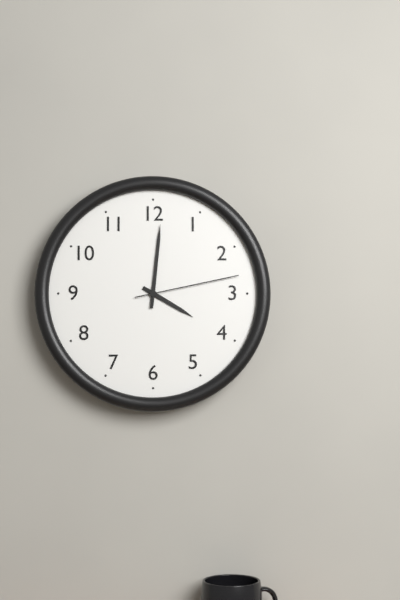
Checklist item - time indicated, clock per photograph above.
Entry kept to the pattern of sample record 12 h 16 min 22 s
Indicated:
4 h 01 min 13 s
